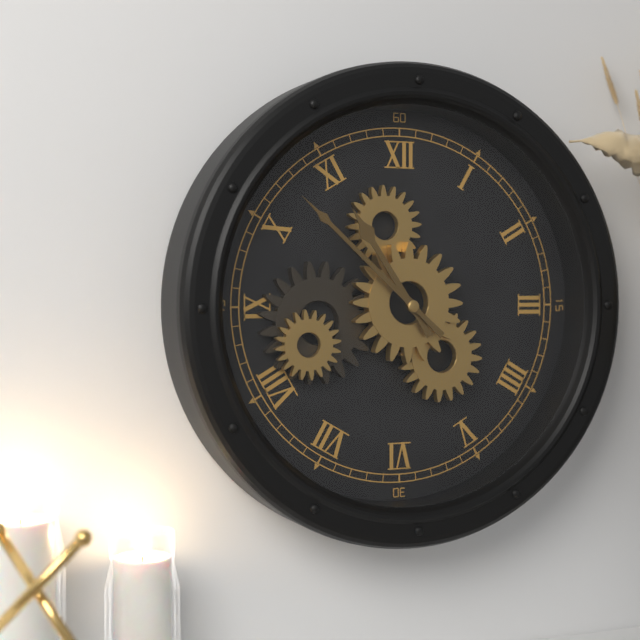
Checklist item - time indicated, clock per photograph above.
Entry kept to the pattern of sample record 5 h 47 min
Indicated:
10 h 52 min
